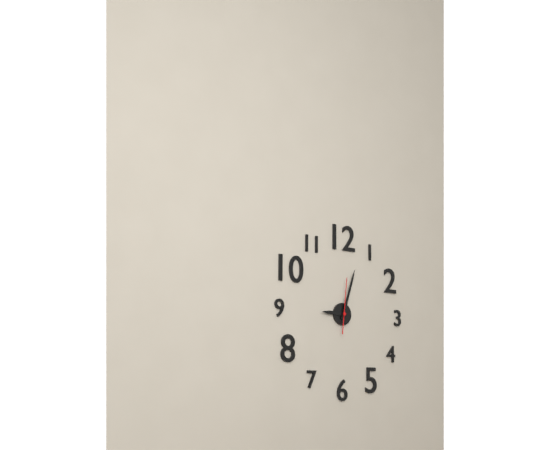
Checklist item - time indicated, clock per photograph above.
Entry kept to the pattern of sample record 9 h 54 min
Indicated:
9 h 03 min
